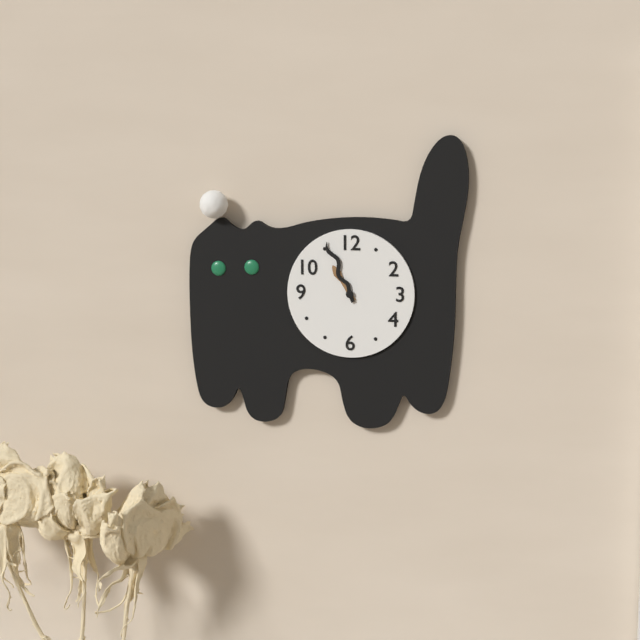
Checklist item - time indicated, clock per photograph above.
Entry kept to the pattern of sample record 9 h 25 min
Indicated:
10 h 56 min
